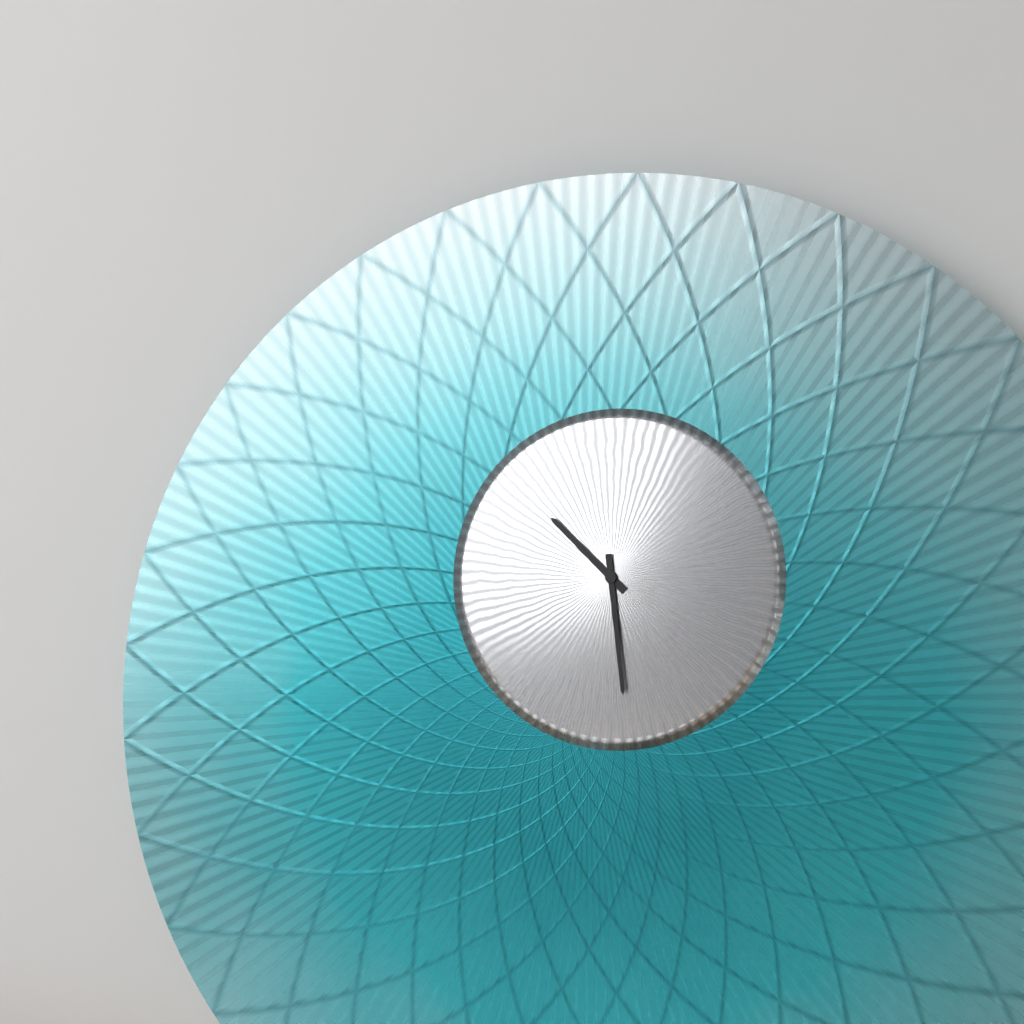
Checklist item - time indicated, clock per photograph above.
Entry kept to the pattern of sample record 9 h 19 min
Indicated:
10 h 29 min
